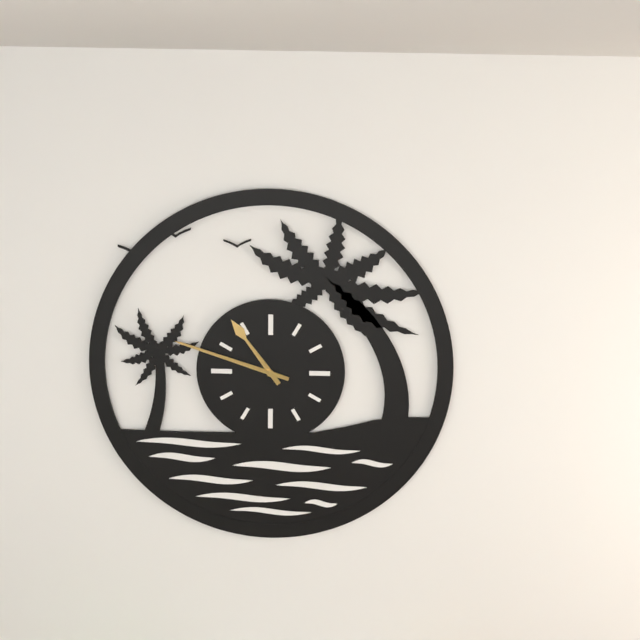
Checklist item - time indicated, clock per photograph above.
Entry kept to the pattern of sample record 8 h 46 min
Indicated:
10 h 48 min
